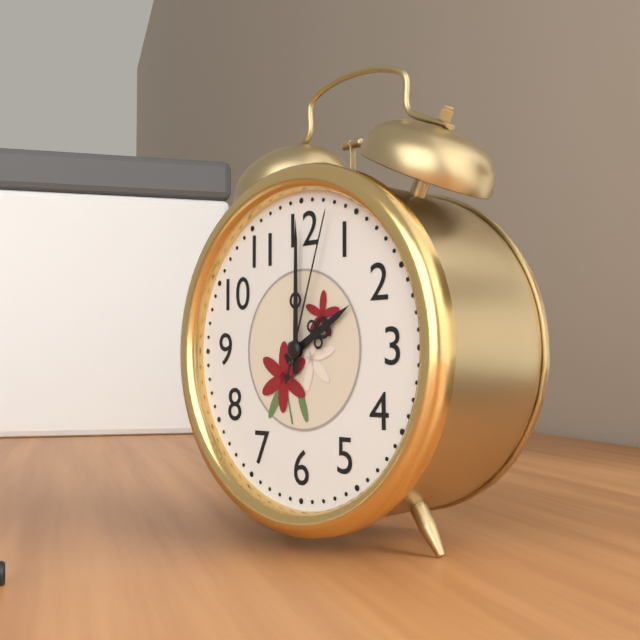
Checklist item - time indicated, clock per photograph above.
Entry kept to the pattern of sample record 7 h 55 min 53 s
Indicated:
2 h 00 min 03 s
